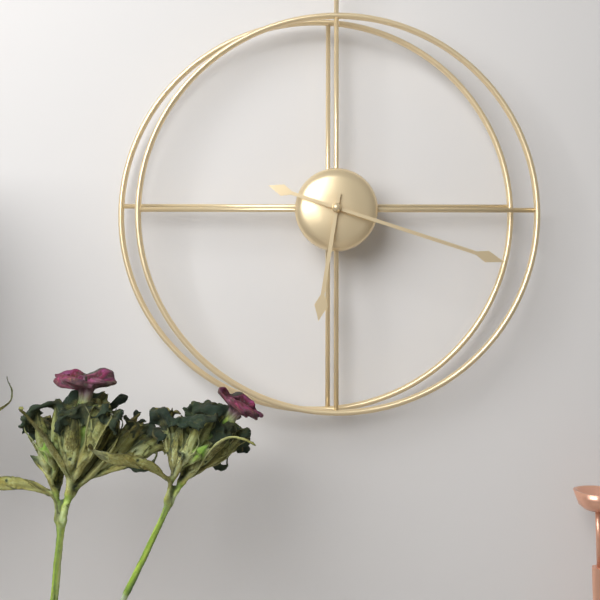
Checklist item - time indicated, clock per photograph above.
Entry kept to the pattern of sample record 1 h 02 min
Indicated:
6 h 18 min
